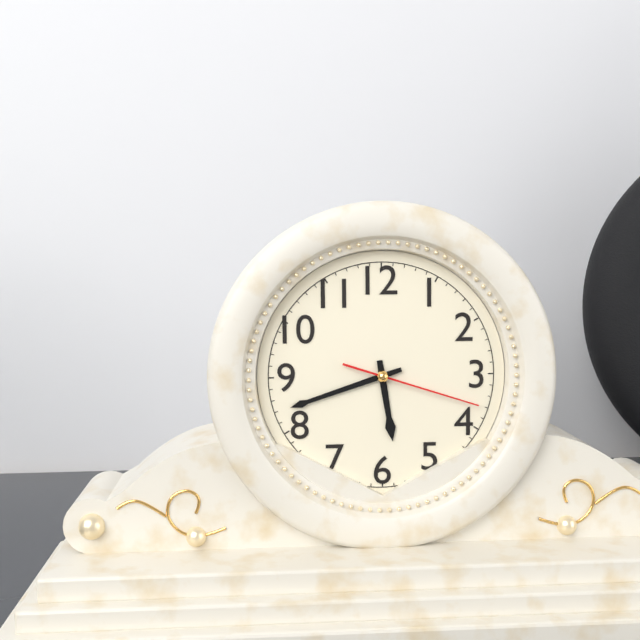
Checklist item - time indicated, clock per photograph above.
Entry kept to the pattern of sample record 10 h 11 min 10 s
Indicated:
5 h 42 min 18 s
